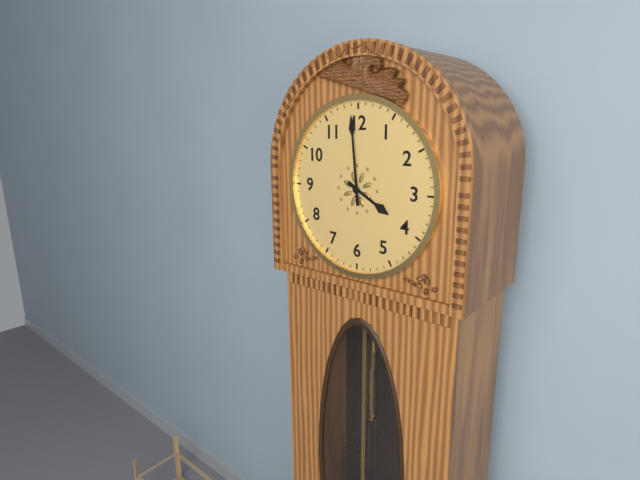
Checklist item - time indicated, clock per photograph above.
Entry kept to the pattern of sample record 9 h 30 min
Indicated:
3 h 59 min
